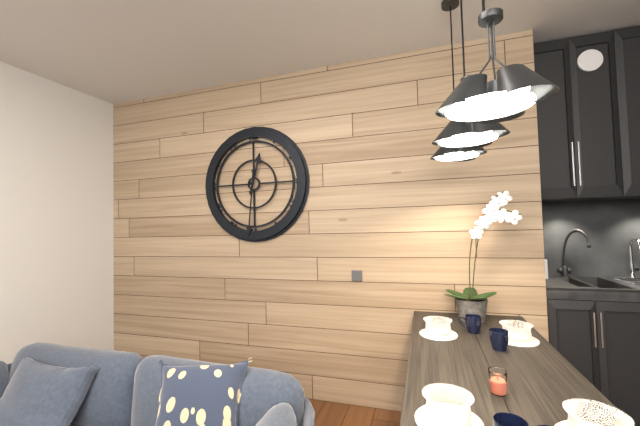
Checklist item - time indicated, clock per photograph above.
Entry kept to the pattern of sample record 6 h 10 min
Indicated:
12 h 31 min
